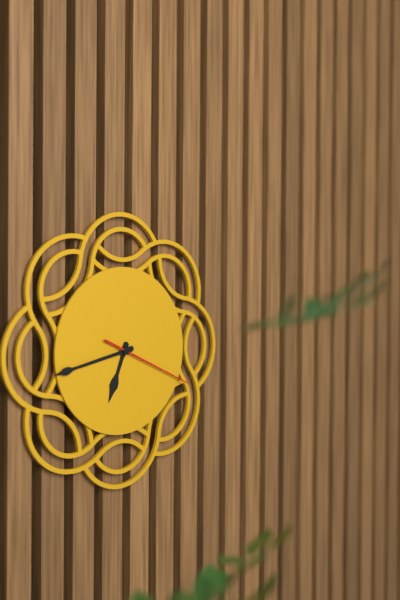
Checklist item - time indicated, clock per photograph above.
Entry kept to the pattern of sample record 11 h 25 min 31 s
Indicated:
6 h 43 min 19 s
